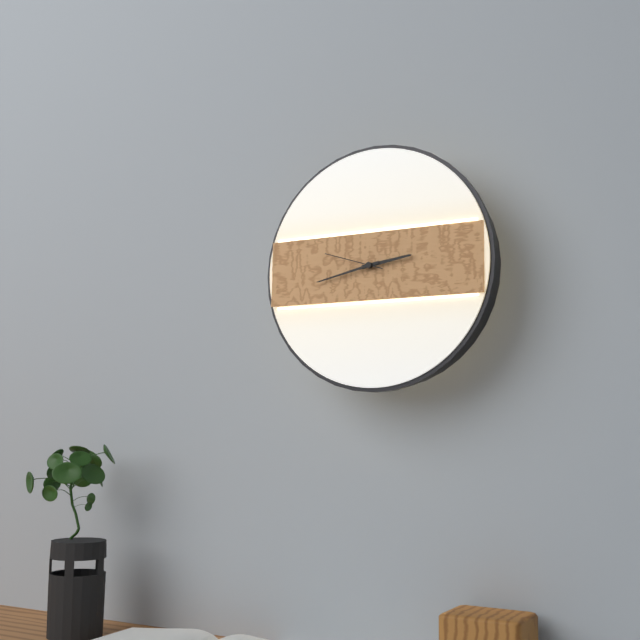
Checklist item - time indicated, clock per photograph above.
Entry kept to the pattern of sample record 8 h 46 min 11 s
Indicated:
2 h 43 min 48 s
